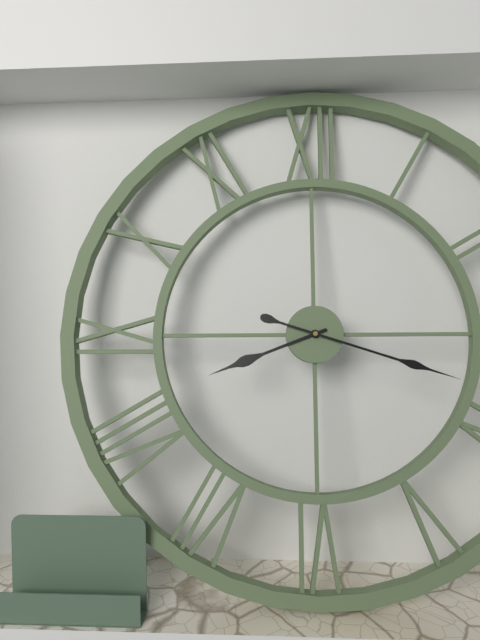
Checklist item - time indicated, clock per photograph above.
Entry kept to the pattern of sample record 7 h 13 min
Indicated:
8 h 18 min
